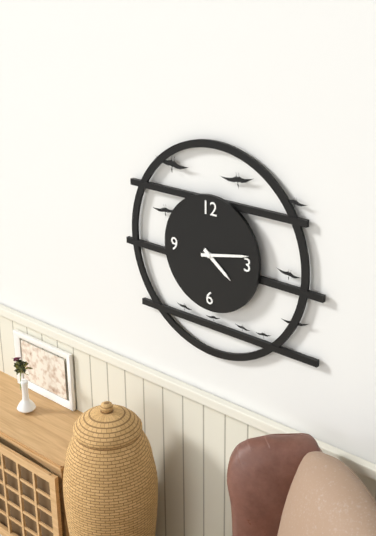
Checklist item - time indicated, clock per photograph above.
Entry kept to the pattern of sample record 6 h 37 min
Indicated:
4 h 13 min
